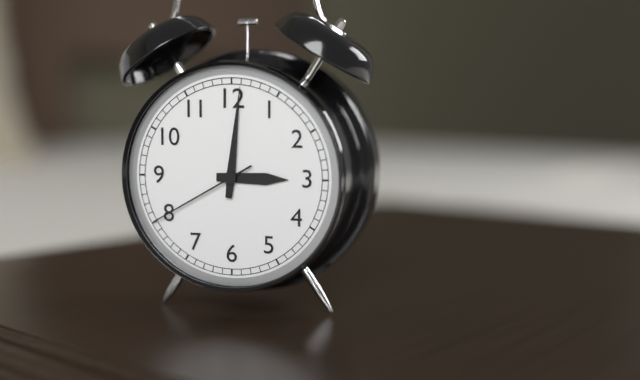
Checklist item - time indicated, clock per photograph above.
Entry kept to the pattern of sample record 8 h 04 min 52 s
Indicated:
3 h 01 min 40 s
